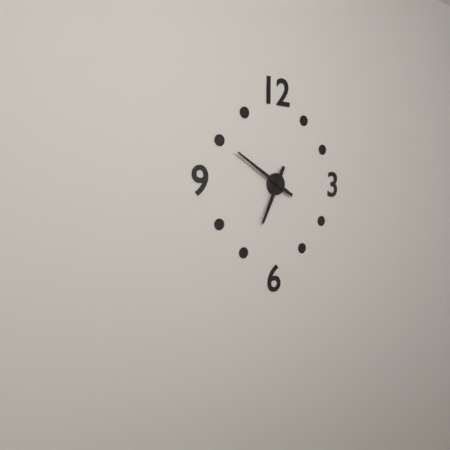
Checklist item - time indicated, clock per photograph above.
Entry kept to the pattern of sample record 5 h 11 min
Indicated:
6 h 50 min
